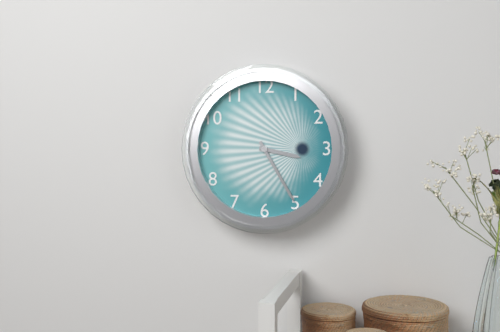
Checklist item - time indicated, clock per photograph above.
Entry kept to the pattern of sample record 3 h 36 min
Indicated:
3 h 25 min
